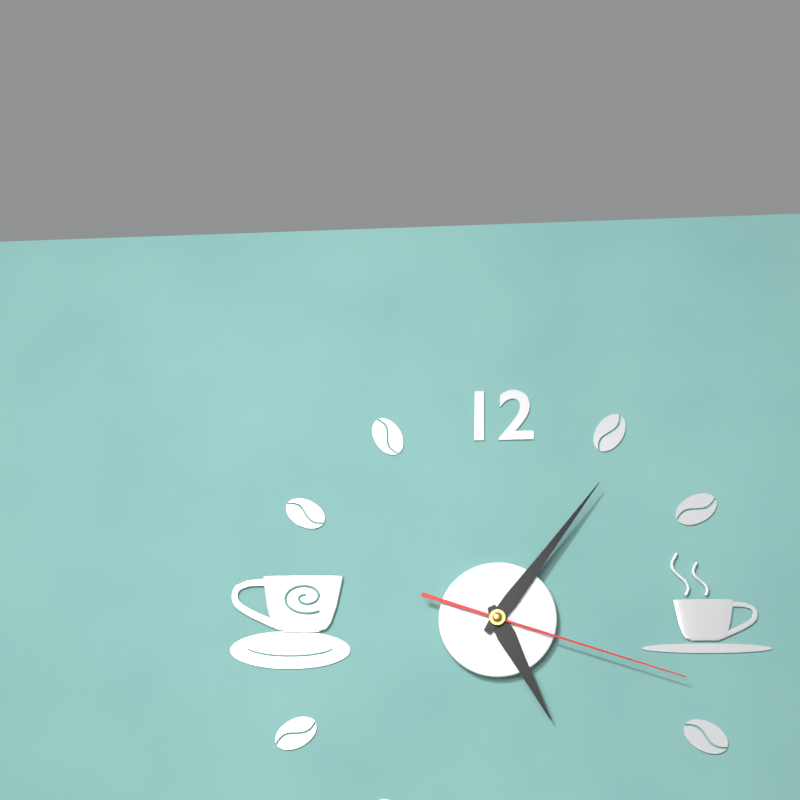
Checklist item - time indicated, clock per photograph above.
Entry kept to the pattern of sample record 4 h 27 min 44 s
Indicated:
5 h 06 min 18 s
